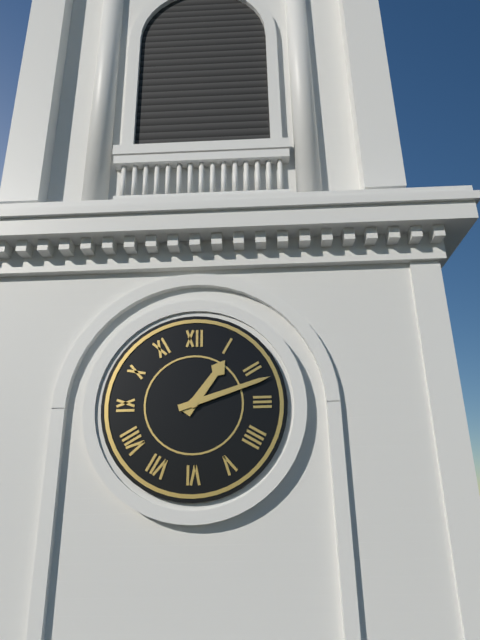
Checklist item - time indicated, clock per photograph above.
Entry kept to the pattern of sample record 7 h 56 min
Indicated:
1 h 12 min
